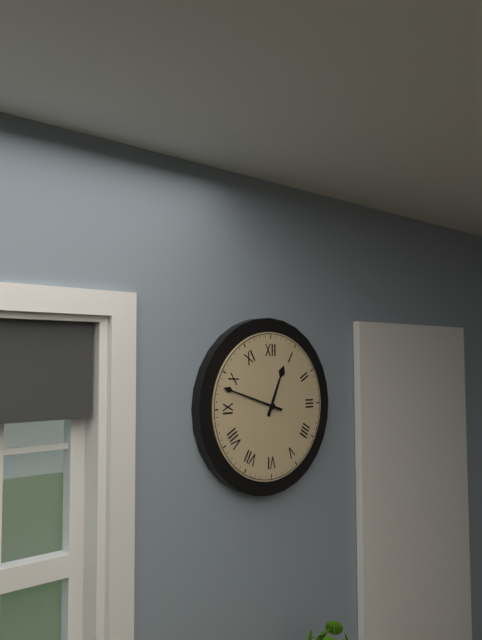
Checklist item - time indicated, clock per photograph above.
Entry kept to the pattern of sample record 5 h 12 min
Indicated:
12 h 48 min
